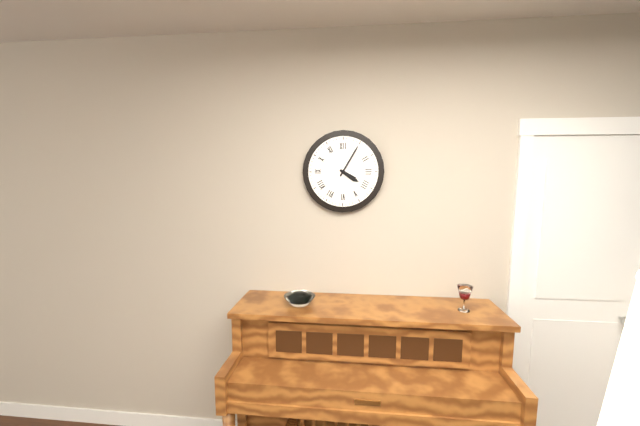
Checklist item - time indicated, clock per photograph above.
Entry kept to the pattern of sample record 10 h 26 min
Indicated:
4 h 05 min
